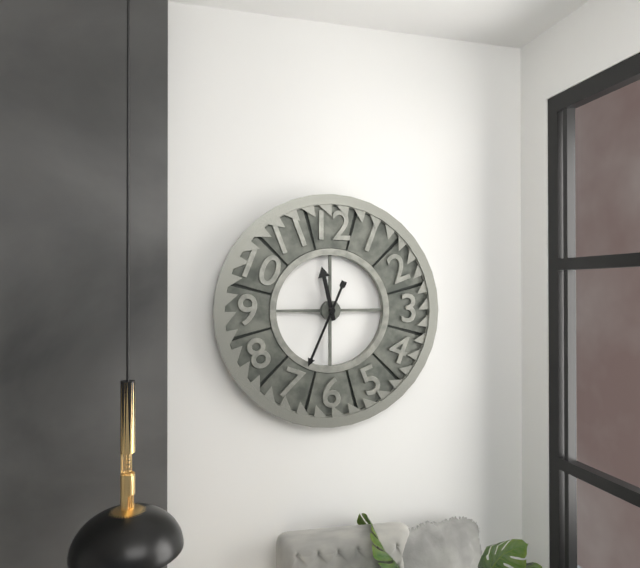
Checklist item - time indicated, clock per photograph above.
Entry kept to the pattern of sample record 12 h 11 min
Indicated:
11 h 34 min
